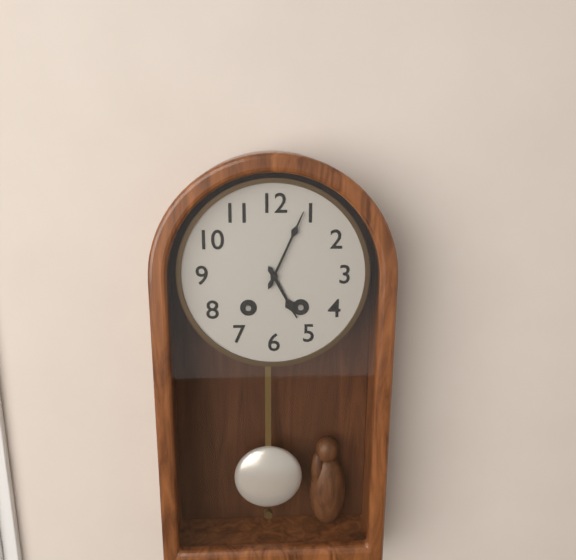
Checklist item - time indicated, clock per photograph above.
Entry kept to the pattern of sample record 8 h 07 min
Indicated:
5 h 04 min
